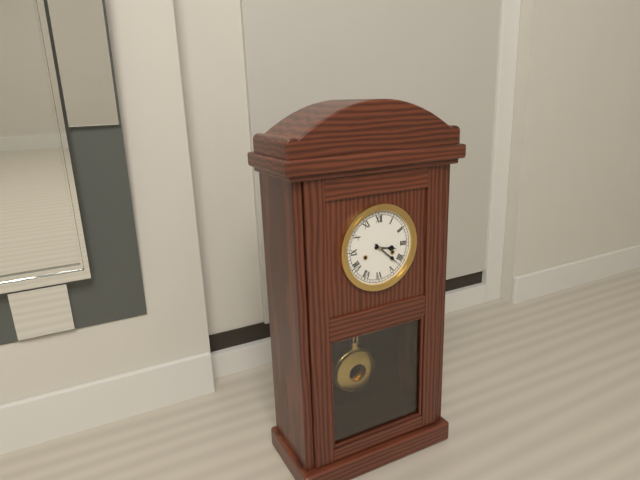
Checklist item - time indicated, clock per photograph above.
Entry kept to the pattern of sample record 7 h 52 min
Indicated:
3 h 22 min
